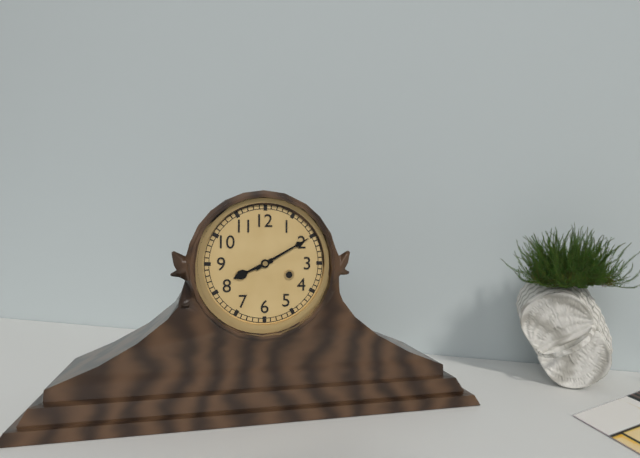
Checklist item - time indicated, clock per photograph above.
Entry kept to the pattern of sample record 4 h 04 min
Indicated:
8 h 10 min
